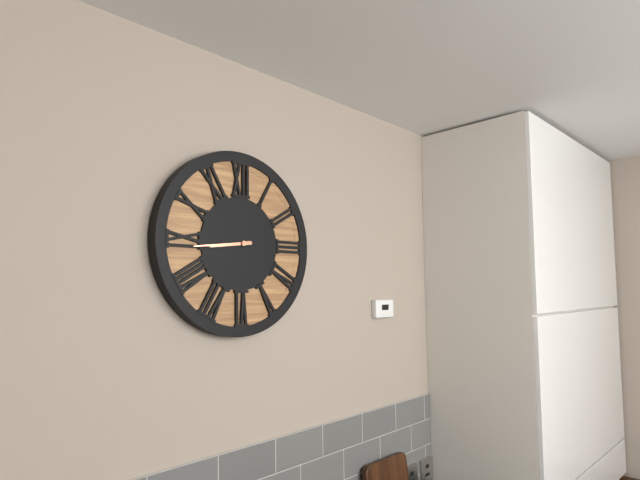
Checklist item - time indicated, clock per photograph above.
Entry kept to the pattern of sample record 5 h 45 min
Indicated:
8 h 44 min
